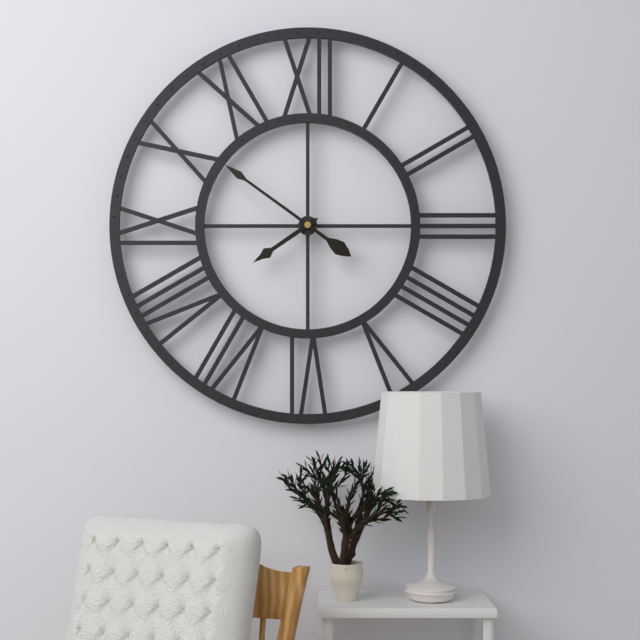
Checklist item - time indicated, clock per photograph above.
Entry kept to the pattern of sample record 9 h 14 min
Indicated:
7 h 51 min
